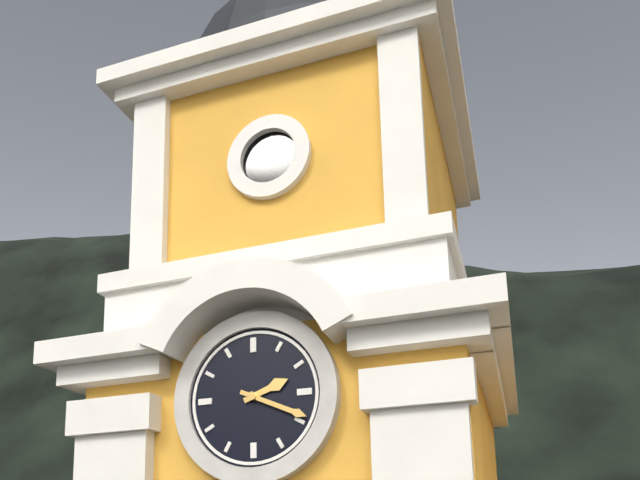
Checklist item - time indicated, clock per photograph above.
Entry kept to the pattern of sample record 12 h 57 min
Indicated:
2 h 19 min
